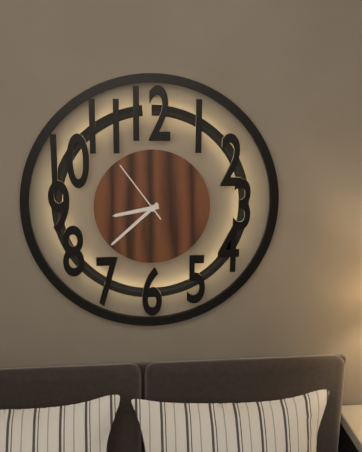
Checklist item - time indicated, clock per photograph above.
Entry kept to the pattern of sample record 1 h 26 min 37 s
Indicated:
8 h 38 min 54 s
